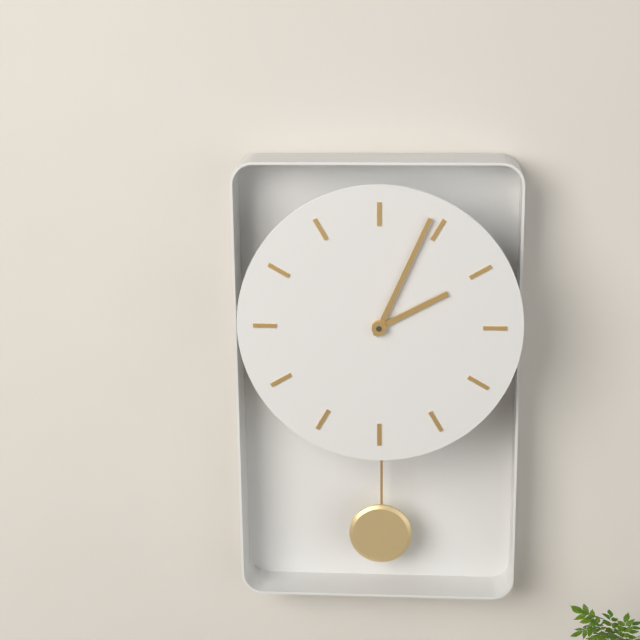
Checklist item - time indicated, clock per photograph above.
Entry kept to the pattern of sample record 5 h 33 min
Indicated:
2 h 04 min
